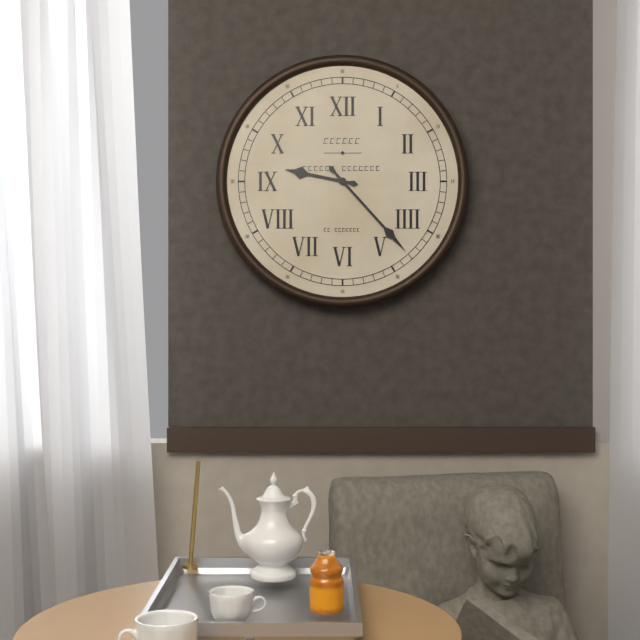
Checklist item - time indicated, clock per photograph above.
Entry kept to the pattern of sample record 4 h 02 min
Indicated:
9 h 23 min
